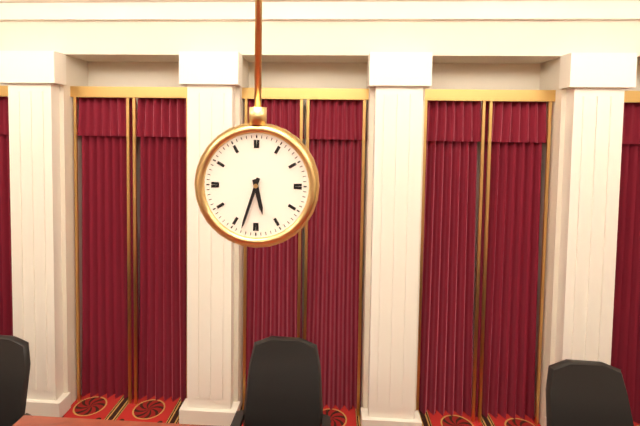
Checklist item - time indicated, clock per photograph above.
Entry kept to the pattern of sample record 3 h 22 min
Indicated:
5 h 33 min
